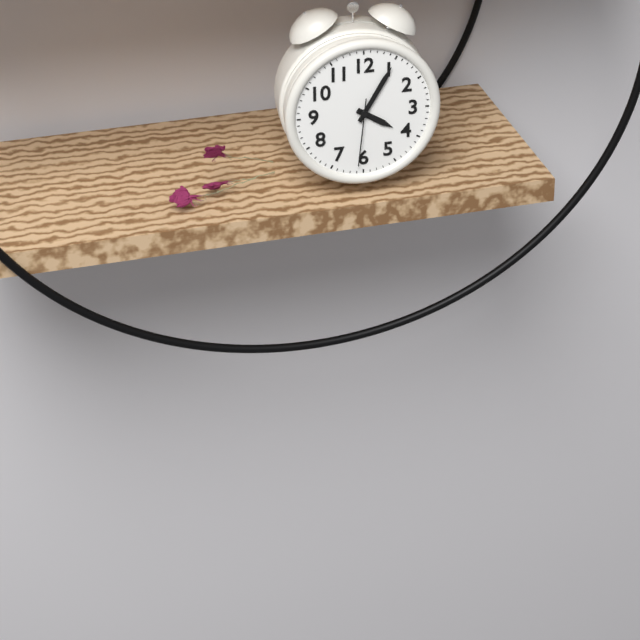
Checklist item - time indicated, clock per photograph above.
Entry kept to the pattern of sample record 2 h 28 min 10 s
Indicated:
4 h 05 min 31 s
